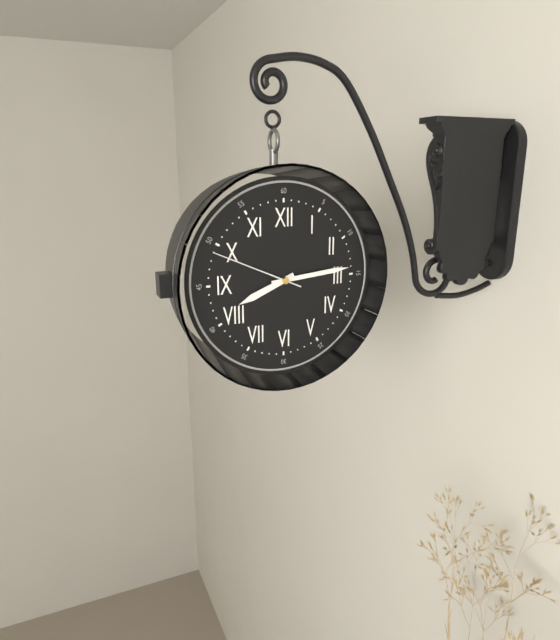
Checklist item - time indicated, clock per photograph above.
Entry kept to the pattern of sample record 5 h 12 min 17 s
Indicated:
8 h 14 min 49 s
